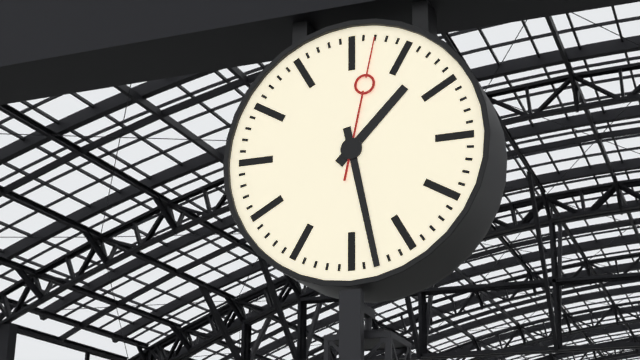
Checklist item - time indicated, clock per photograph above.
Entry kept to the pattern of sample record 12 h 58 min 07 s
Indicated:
1 h 28 min 02 s
